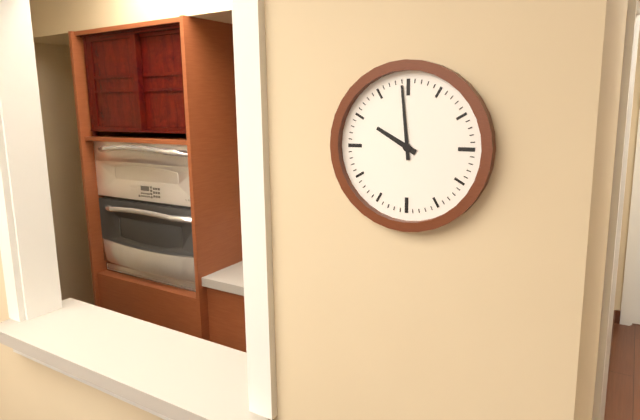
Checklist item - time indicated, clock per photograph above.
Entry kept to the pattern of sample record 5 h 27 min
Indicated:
9 h 59 min
